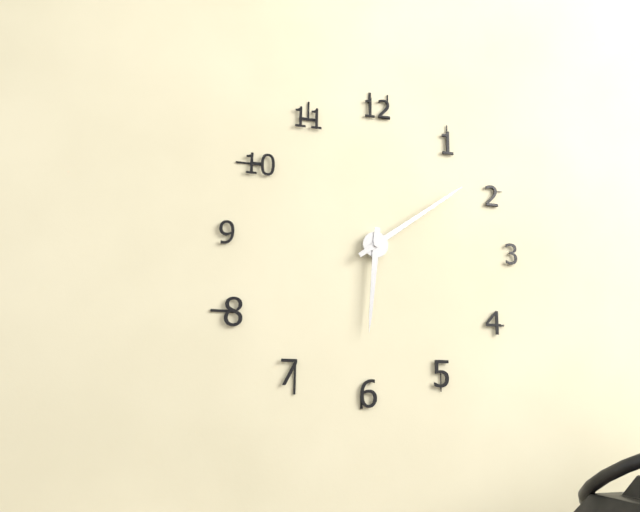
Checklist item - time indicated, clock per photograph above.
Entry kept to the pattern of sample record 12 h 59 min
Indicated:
6 h 09 min
